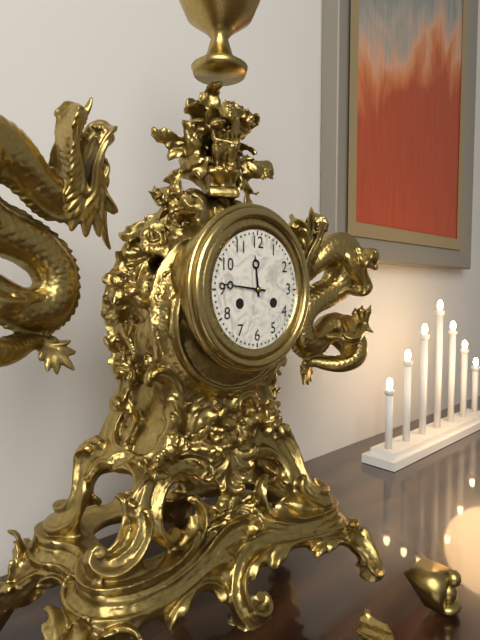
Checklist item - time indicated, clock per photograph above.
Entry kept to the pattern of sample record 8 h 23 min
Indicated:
11 h 46 min
